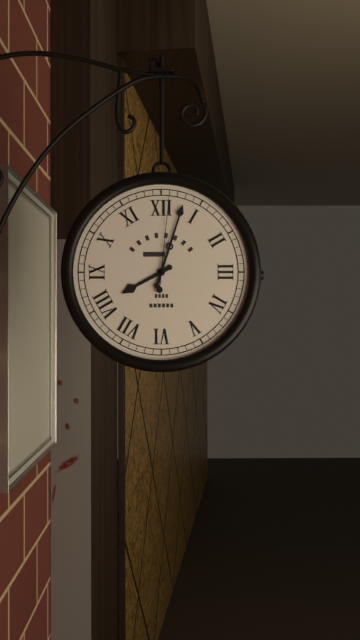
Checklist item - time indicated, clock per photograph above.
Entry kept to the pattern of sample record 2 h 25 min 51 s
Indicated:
8 h 03 min 01 s
